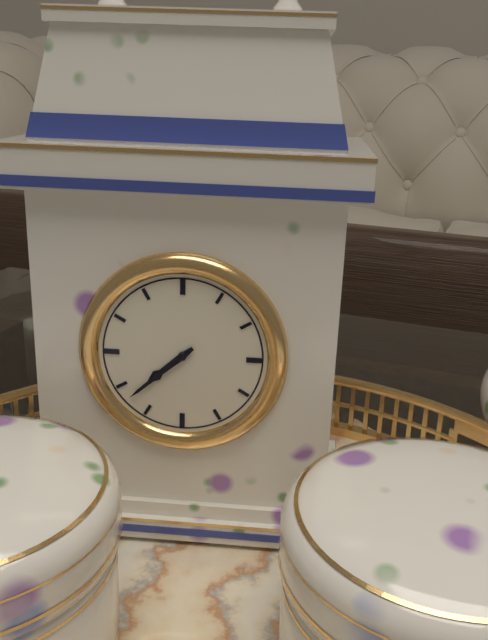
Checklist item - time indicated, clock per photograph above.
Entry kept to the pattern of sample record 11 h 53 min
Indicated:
7 h 38 min
